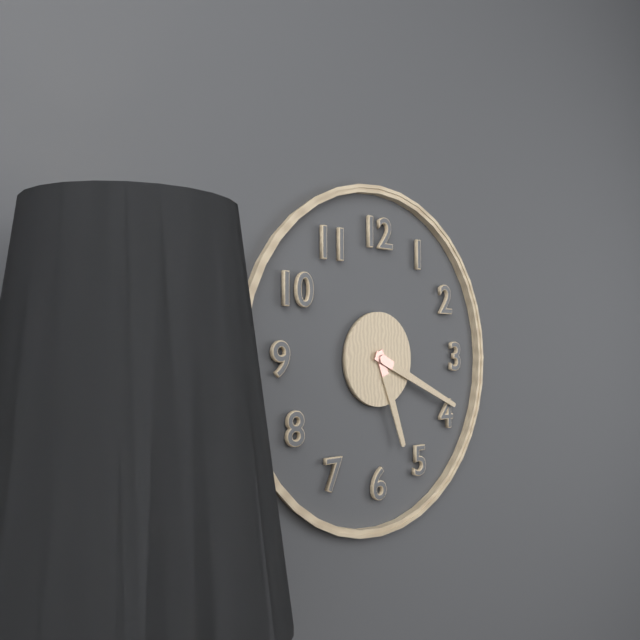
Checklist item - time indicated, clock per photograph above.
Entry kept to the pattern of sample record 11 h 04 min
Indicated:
5 h 19 min
